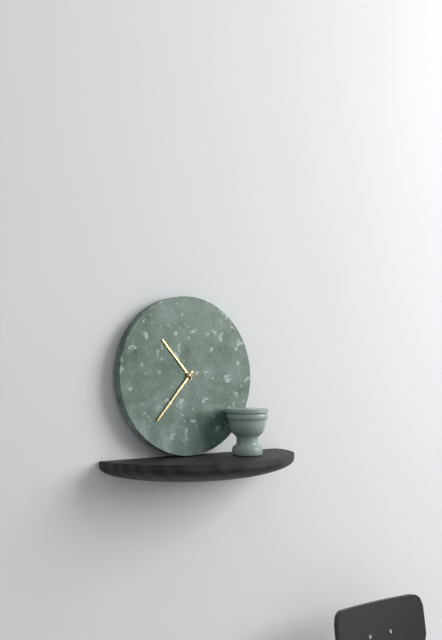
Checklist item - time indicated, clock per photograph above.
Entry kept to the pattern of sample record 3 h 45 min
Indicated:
10 h 37 min
